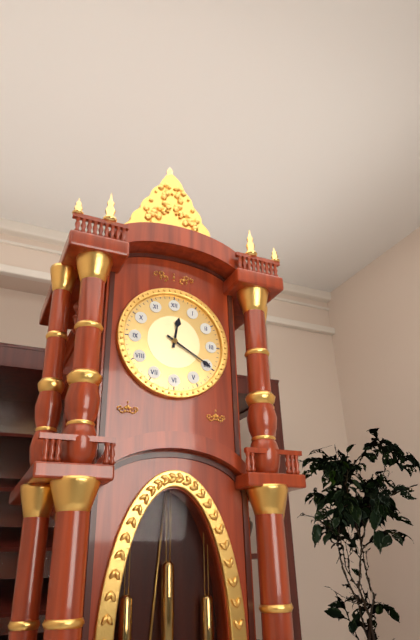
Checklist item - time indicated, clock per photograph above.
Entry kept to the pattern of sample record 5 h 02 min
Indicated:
12 h 20 min
